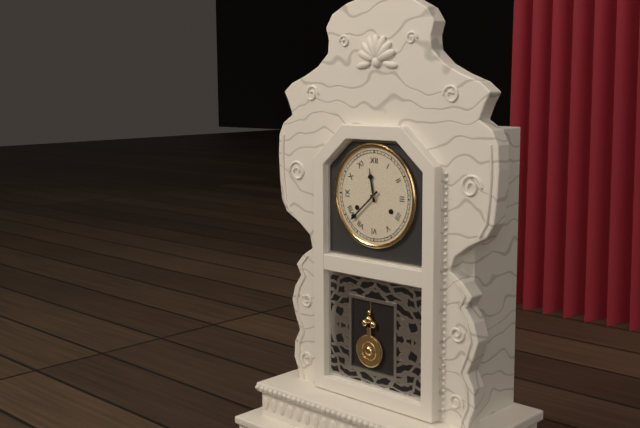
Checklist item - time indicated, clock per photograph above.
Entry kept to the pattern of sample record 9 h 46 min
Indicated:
11 h 38 min
